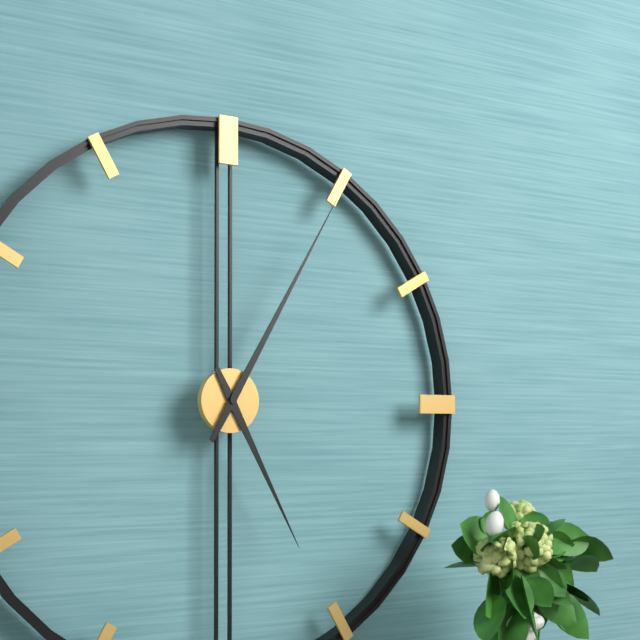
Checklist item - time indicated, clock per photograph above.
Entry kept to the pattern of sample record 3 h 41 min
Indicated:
5 h 05 min
